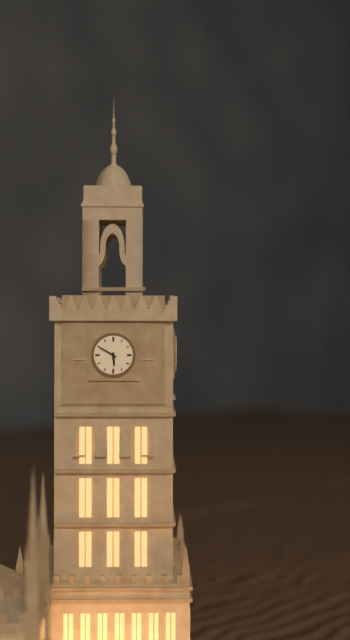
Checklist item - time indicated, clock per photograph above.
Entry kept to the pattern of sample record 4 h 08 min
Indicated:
5 h 50 min
